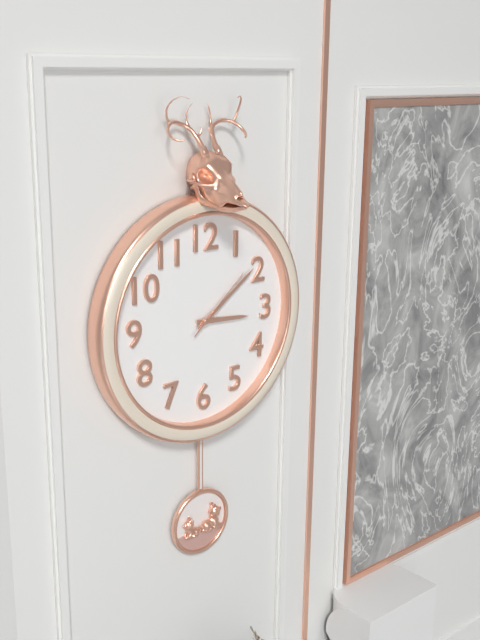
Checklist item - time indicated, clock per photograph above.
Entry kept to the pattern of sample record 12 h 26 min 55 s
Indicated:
3 h 09 min 08 s
